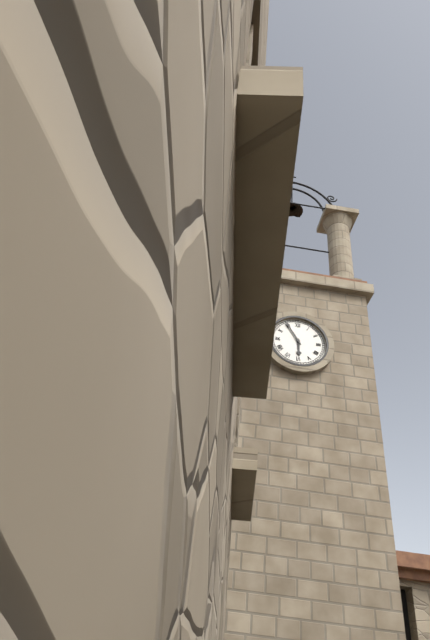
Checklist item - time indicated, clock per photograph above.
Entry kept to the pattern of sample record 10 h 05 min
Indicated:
5 h 55 min
